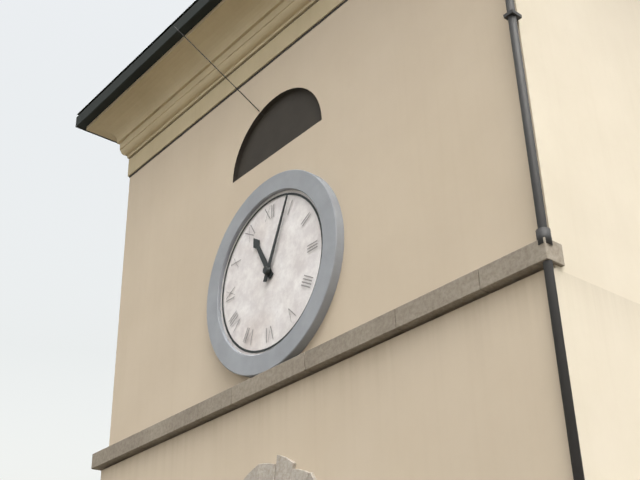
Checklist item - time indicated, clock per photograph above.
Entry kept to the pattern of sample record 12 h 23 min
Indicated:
11 h 04 min
